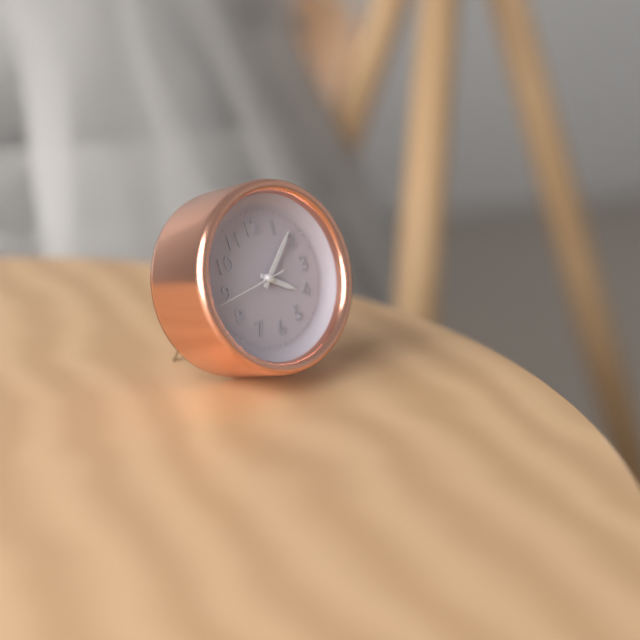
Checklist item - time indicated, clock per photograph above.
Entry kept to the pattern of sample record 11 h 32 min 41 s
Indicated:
4 h 08 min 44 s
